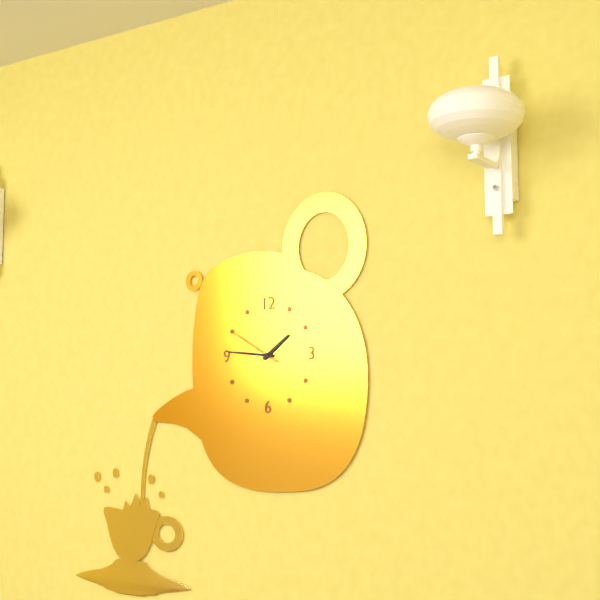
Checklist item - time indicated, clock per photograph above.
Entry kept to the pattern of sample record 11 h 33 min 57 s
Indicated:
1 h 46 min 50 s
